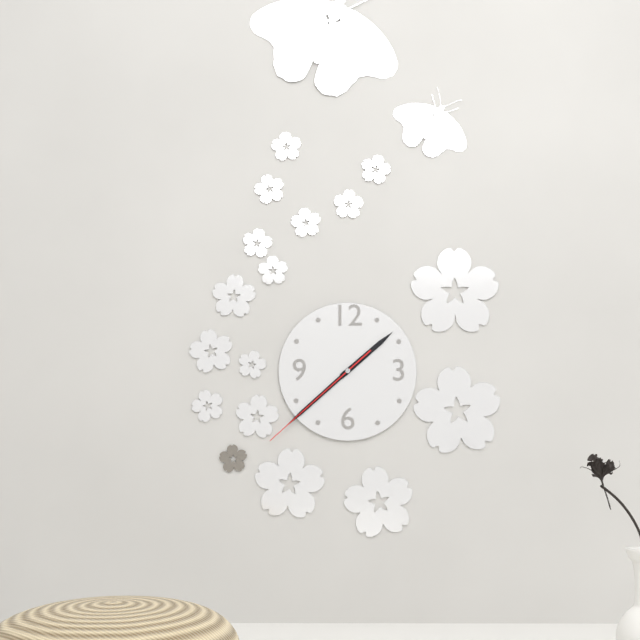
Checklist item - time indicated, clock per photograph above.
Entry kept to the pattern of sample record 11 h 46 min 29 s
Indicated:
1 h 38 min 38 s
